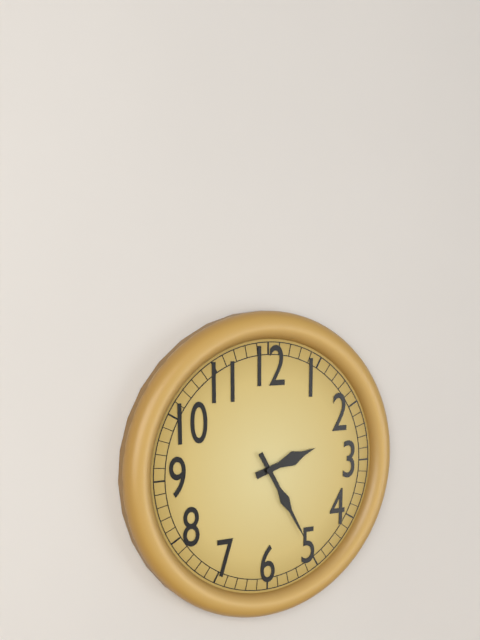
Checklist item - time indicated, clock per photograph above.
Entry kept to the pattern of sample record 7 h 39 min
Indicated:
2 h 25 min
